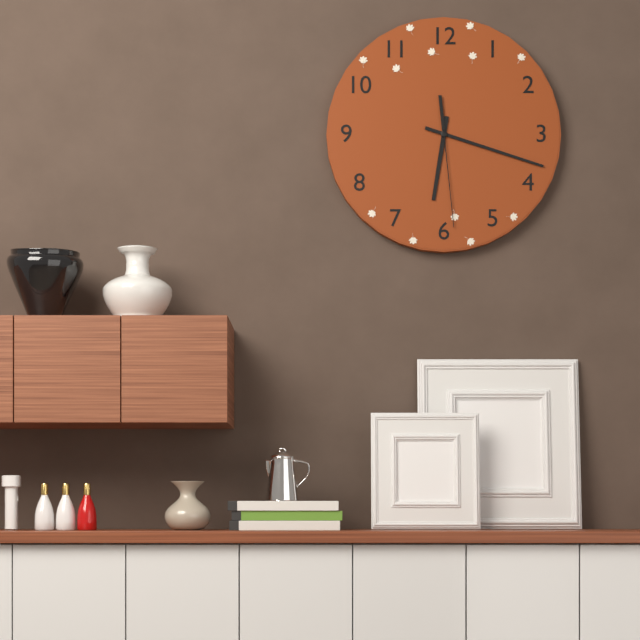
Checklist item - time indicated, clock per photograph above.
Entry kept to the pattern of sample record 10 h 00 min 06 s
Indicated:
6 h 18 min 29 s
